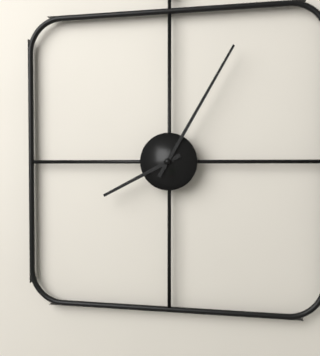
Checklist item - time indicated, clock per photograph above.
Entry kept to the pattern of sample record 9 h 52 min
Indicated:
8 h 05 min
